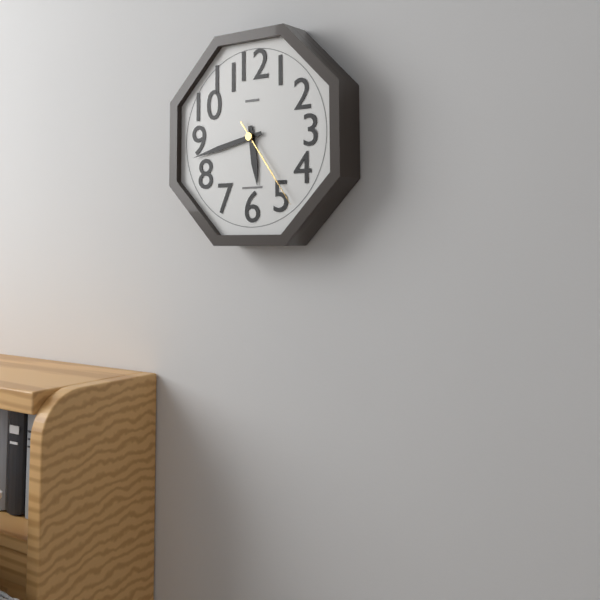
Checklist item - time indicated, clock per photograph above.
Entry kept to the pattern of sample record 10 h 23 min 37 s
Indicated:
5 h 43 min 24 s
